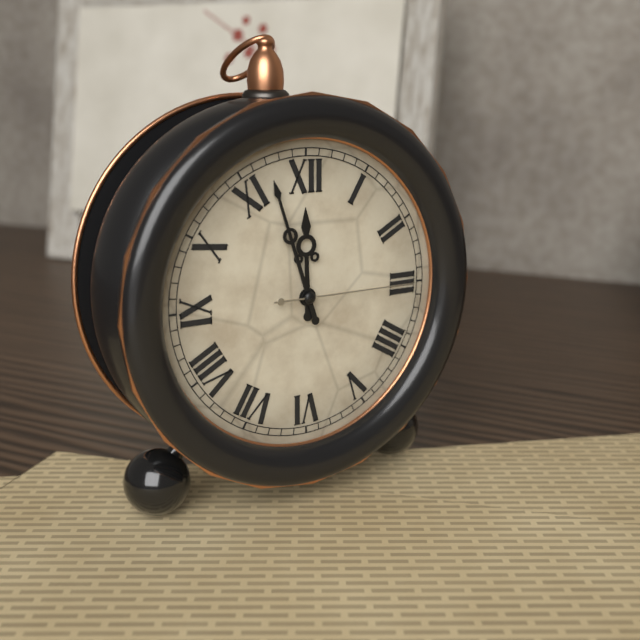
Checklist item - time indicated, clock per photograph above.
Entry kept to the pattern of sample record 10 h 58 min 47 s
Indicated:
11 h 57 min 15 s
